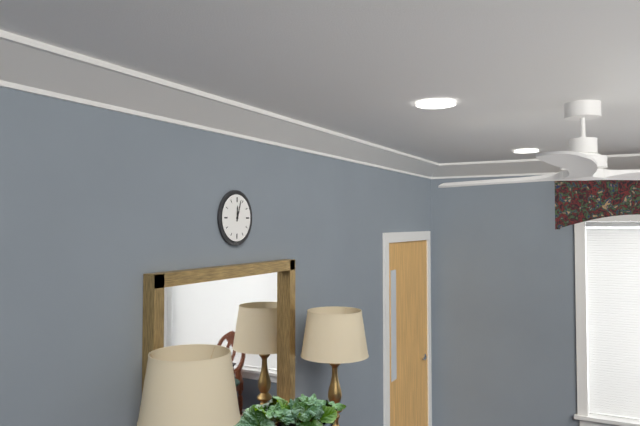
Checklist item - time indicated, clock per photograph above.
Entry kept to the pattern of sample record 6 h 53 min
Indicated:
12 h 03 min
